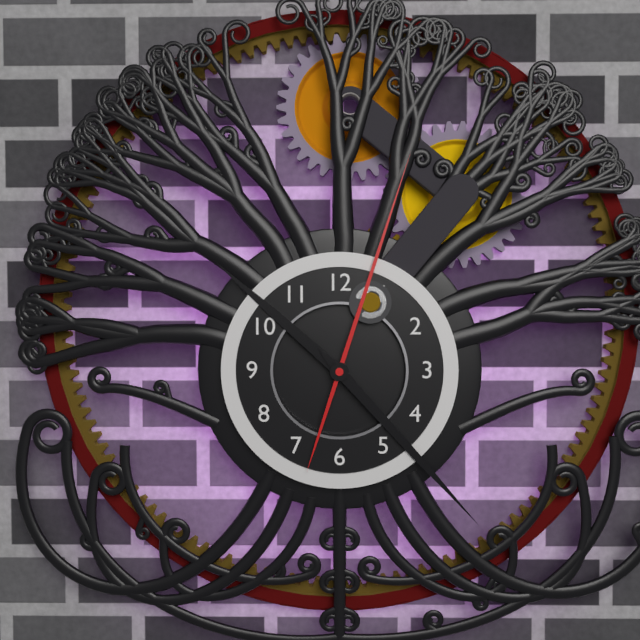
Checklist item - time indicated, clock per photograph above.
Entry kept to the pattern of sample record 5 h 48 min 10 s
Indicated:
10 h 23 min 03 s
